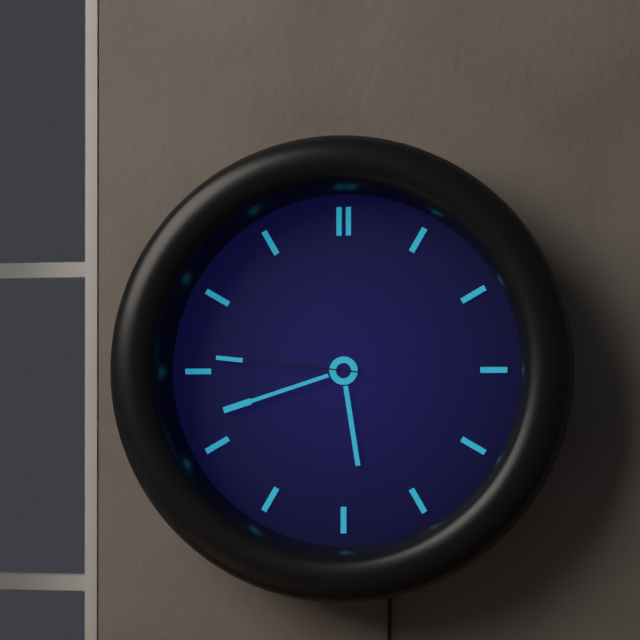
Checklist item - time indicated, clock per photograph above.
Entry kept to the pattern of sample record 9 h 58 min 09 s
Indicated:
5 h 42 min 46 s
